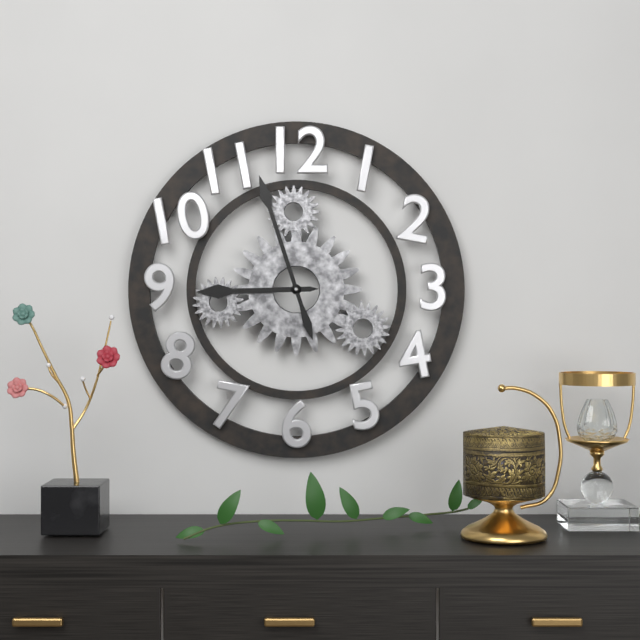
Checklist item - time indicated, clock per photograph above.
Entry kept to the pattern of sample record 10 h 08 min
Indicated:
8 h 57 min
